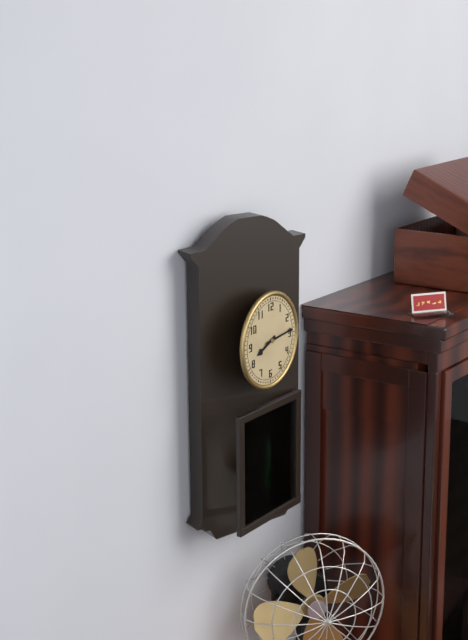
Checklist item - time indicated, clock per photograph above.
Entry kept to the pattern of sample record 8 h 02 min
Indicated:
8 h 14 min
